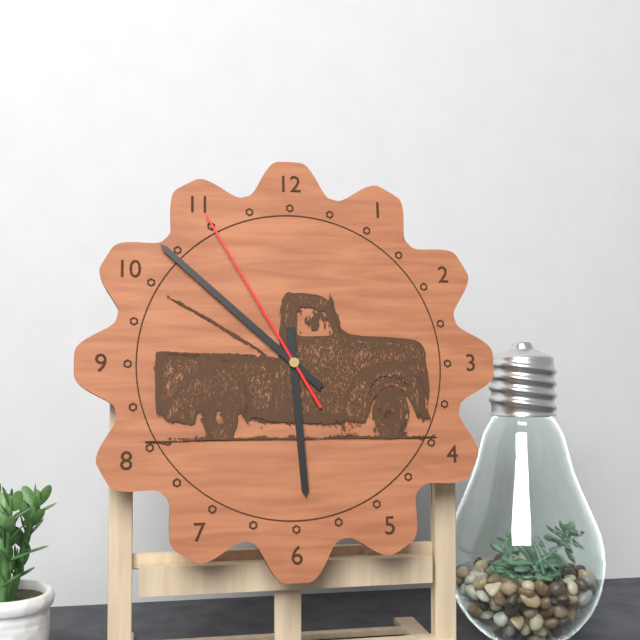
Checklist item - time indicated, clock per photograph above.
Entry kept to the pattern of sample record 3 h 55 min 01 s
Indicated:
5 h 52 min 55 s
